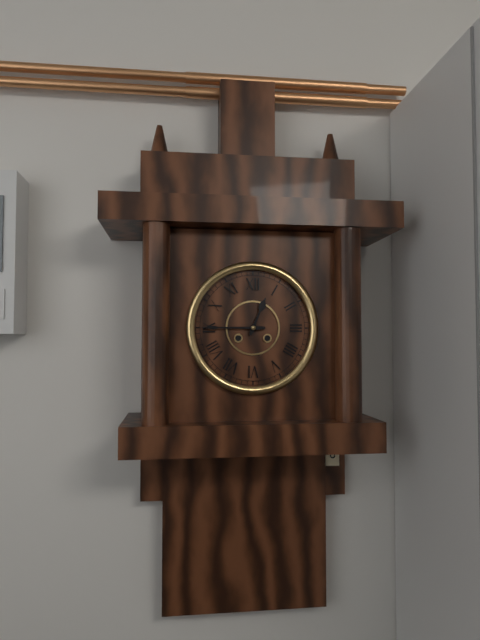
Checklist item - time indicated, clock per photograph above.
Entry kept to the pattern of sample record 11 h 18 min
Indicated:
12 h 45 min
